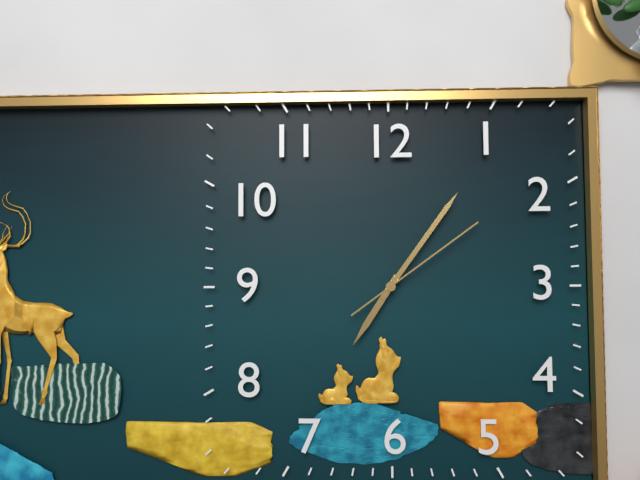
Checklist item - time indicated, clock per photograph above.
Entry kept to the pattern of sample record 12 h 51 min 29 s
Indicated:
7 h 06 min 09 s
